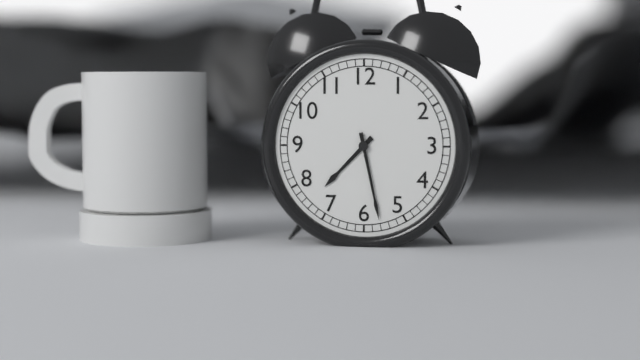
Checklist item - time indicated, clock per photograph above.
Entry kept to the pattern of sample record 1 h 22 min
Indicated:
7 h 28 min
